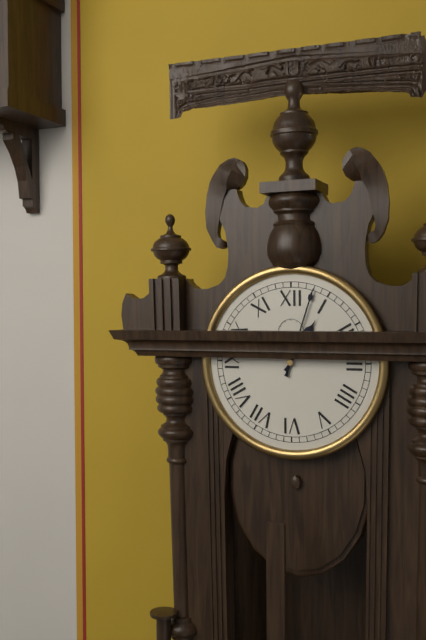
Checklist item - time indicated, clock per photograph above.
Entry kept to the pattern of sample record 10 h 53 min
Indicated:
1 h 03 min
